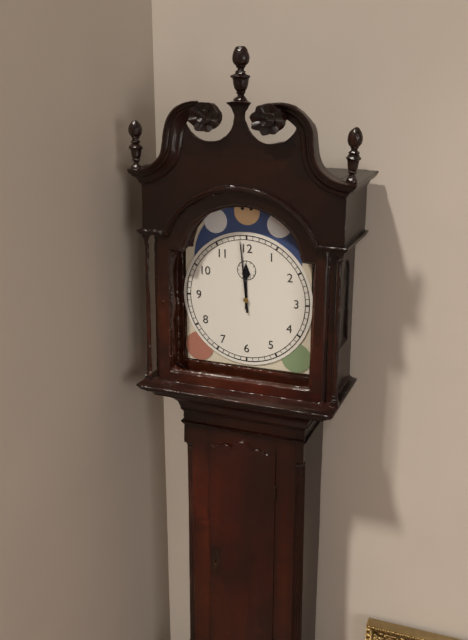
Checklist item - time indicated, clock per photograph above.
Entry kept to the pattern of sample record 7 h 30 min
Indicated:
11 h 59 min
